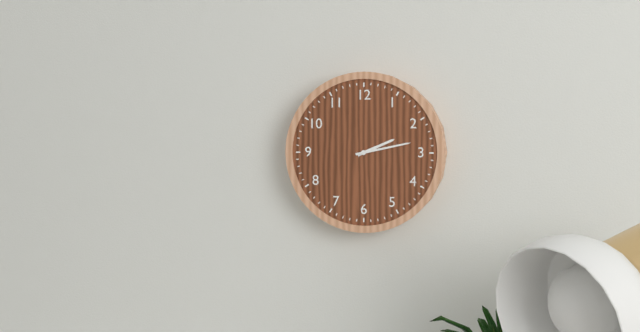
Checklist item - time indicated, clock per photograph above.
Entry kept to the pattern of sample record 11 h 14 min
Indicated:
2 h 13 min
